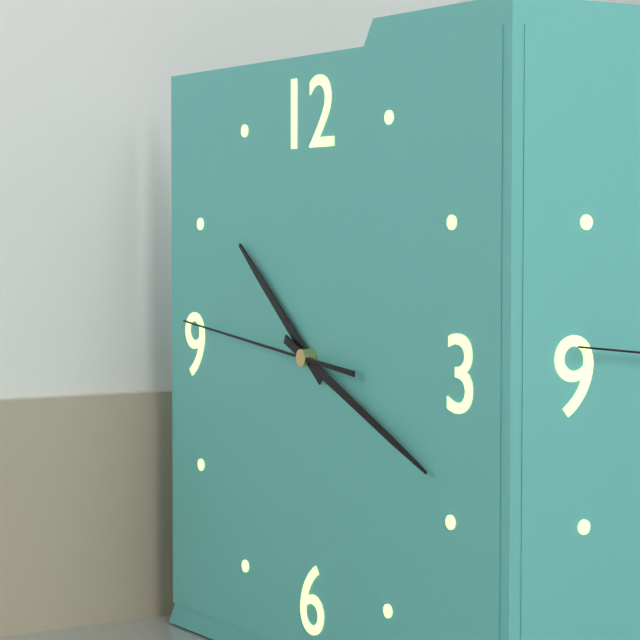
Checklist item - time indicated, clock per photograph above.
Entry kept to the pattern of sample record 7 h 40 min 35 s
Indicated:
10 h 19 min 46 s
